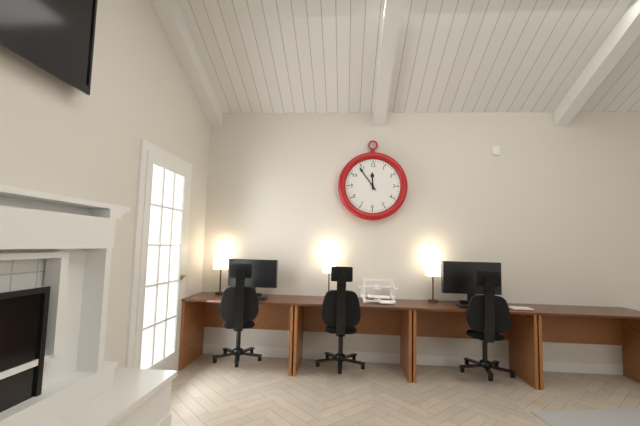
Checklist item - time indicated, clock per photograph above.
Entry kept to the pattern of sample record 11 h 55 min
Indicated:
11 h 54 min
